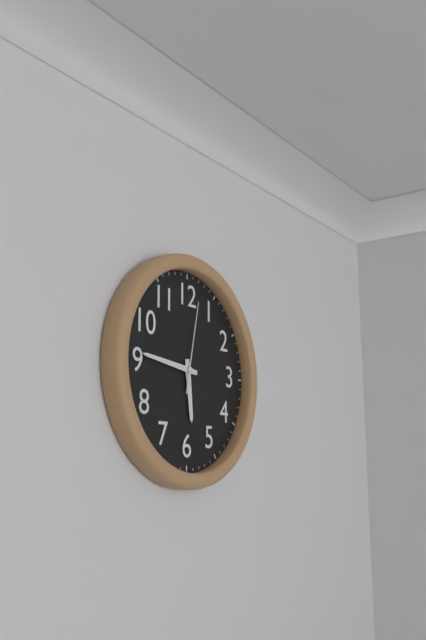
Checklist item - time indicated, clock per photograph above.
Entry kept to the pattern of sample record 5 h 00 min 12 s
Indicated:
5 h 46 min 02 s
